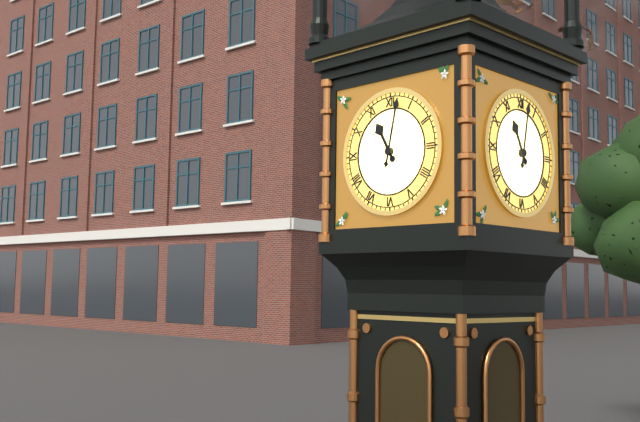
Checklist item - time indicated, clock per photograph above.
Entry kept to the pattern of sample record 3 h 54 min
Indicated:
11 h 02 min
